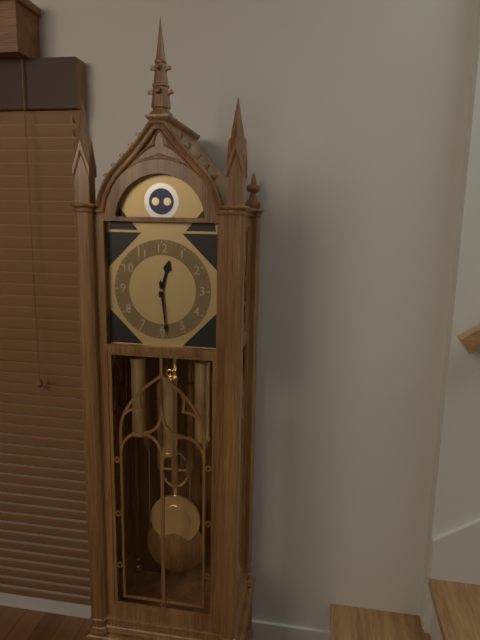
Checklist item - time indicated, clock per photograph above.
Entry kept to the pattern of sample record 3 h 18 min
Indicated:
12 h 29 min
